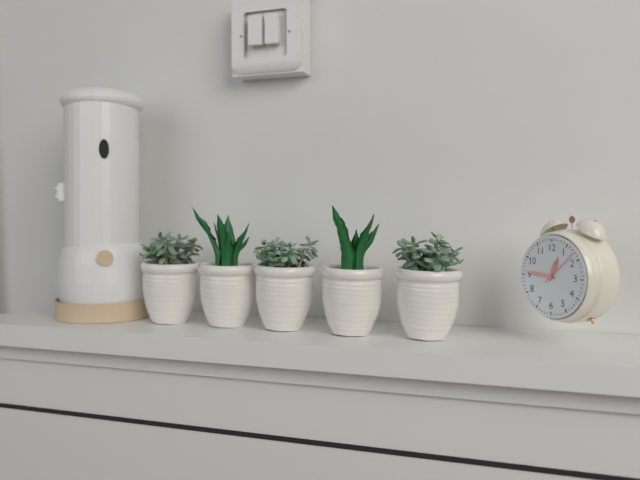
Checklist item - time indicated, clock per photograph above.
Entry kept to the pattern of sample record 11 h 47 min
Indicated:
12 h 46 min
